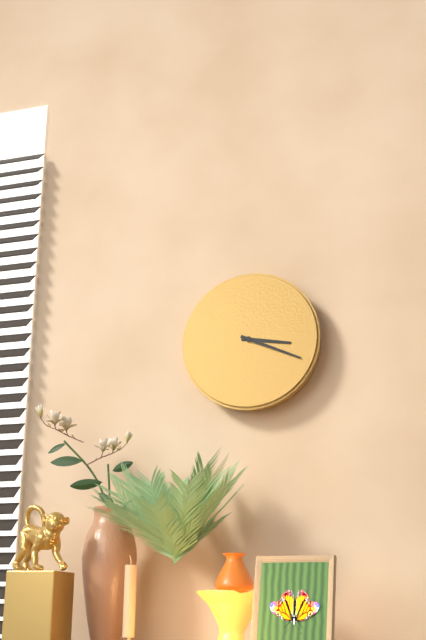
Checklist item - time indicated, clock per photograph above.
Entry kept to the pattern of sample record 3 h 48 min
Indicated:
3 h 19 min
